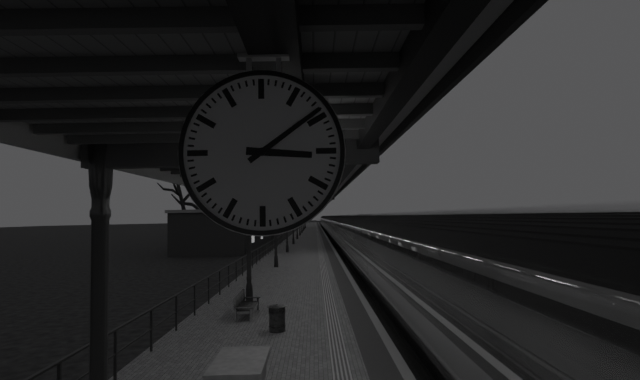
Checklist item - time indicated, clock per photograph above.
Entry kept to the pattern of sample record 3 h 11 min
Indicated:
3 h 09 min
